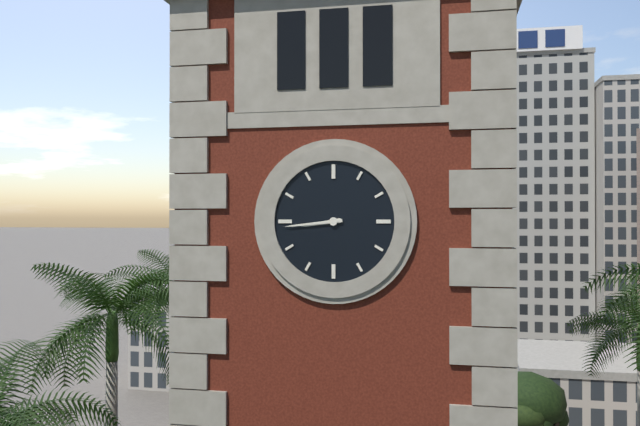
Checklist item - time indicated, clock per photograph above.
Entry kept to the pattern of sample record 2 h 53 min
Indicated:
8 h 44 min
